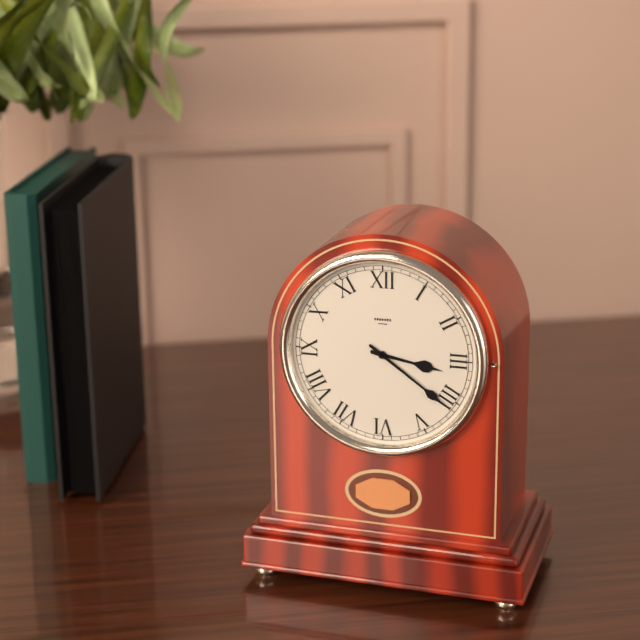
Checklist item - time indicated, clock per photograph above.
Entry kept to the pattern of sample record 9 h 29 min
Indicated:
3 h 21 min
